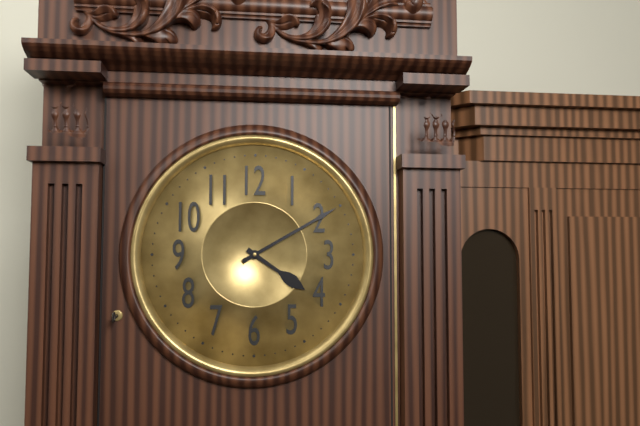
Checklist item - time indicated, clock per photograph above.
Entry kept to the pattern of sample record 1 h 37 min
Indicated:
4 h 10 min
